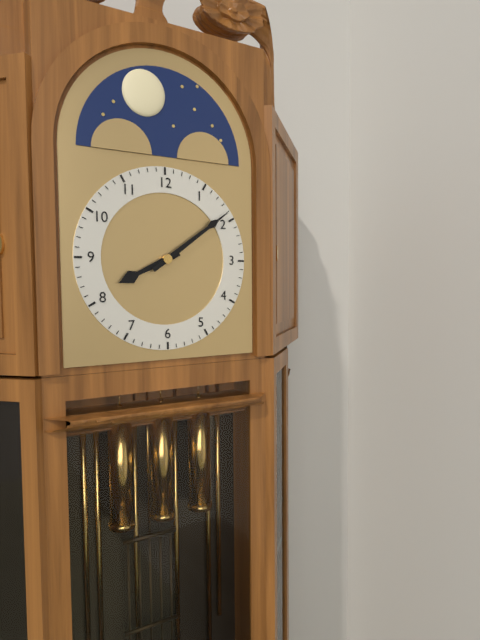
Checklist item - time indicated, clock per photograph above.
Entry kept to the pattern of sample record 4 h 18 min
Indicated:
8 h 09 min
